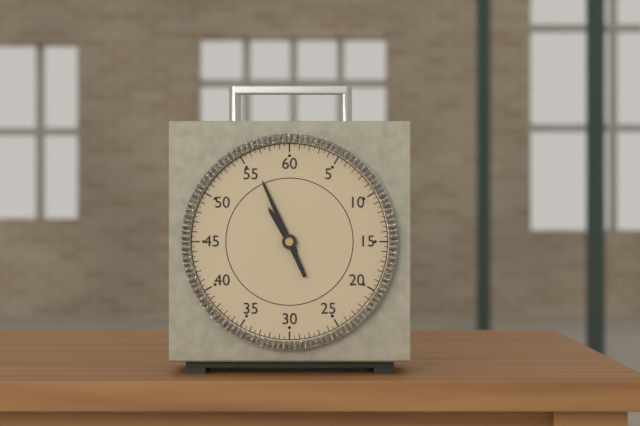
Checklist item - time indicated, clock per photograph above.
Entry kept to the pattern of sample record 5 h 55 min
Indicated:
10 h 56 min
